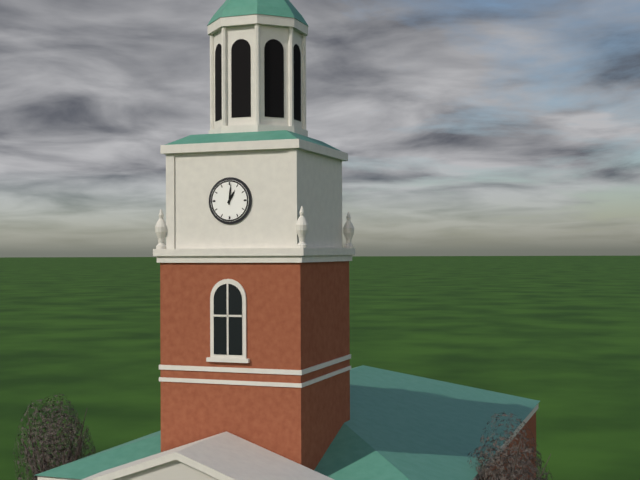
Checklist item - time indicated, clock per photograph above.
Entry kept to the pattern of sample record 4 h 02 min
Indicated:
1 h 01 min
